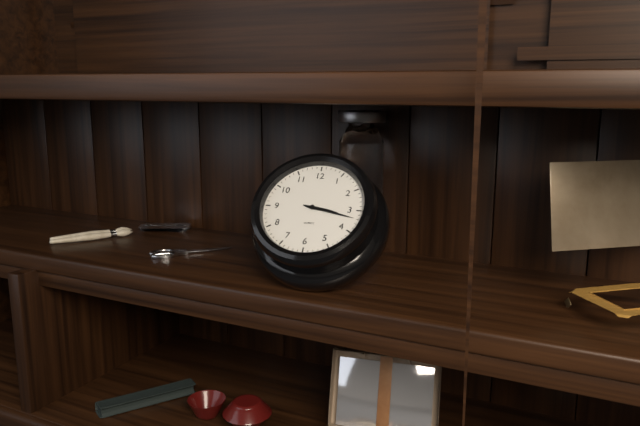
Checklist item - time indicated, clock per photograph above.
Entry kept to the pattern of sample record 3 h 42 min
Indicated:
3 h 17 min
